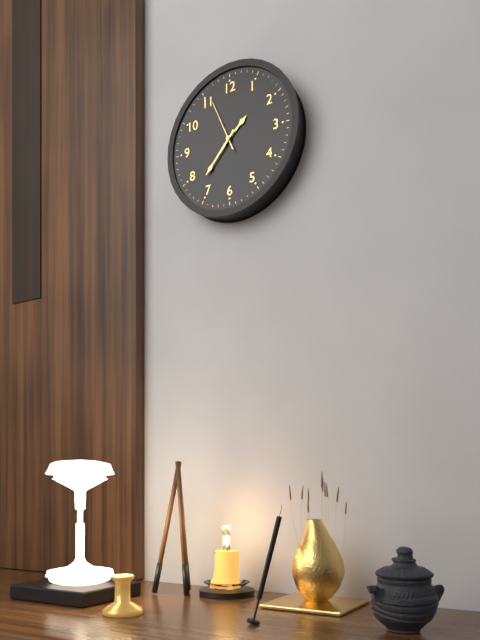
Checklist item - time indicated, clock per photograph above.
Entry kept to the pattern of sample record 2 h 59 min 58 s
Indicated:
1 h 37 min 56 s
